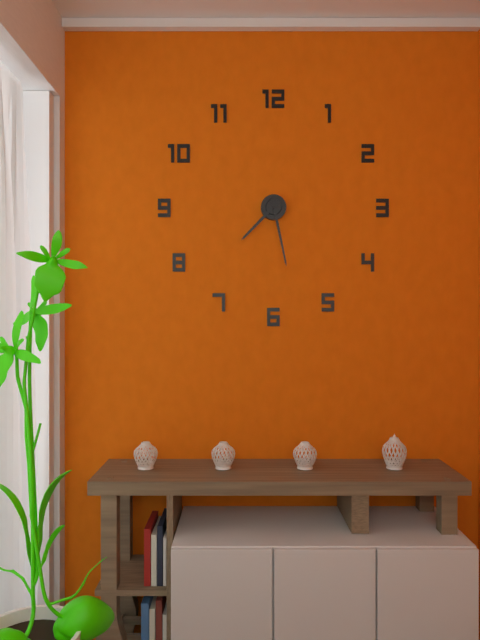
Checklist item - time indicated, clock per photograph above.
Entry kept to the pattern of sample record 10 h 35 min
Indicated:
7 h 28 min
